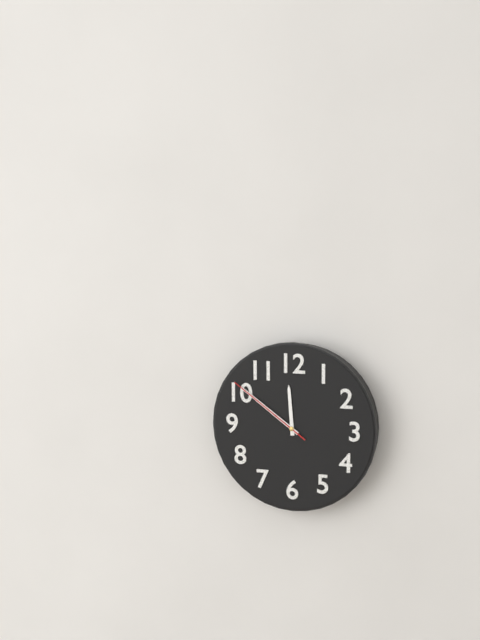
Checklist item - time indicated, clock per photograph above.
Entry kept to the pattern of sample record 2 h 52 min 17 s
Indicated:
11 h 51 min 51 s
